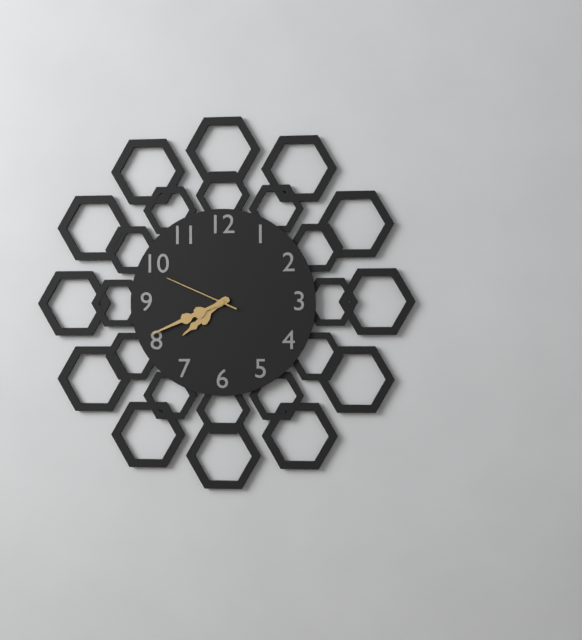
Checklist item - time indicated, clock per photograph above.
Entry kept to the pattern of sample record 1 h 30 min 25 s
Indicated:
7 h 41 min 49 s
